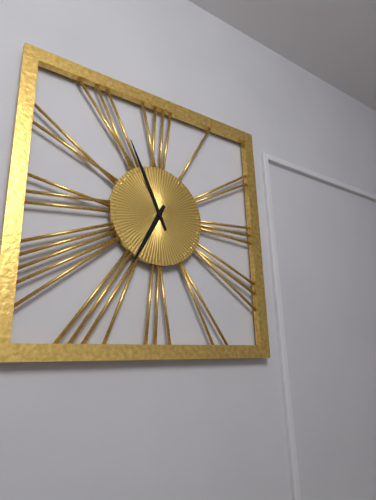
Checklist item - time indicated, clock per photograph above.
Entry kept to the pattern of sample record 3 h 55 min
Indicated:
6 h 56 min
